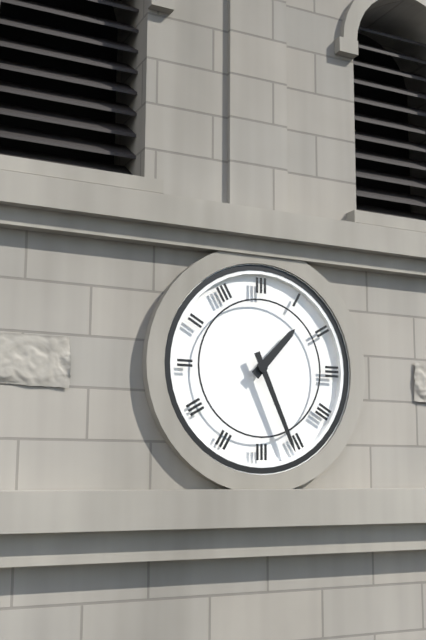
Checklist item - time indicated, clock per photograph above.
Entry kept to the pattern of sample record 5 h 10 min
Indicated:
1 h 26 min
